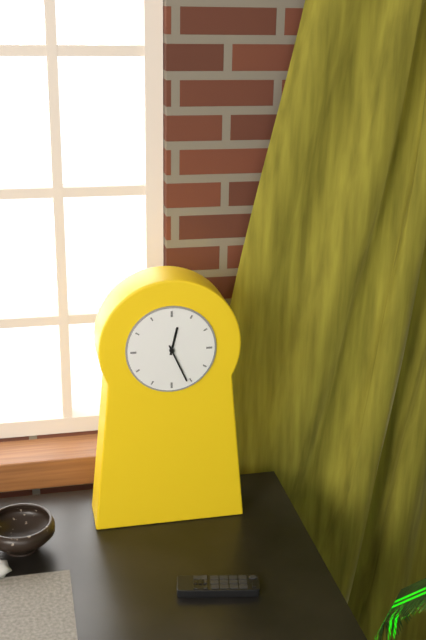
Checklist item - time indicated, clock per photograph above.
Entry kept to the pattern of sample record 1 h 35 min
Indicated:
12 h 26 min
